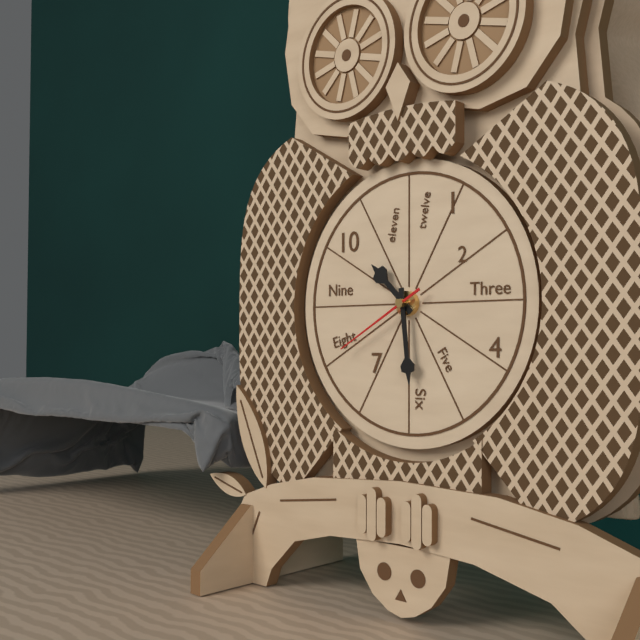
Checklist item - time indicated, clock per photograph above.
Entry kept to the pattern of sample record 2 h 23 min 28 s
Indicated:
10 h 29 min 40 s
